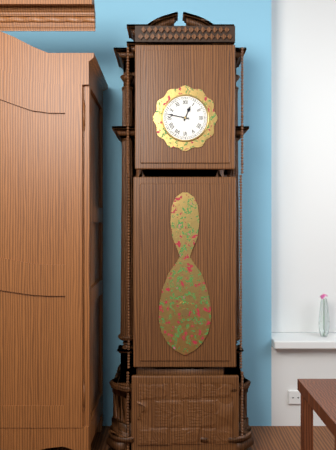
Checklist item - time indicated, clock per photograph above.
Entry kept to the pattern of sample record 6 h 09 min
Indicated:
12 h 47 min
